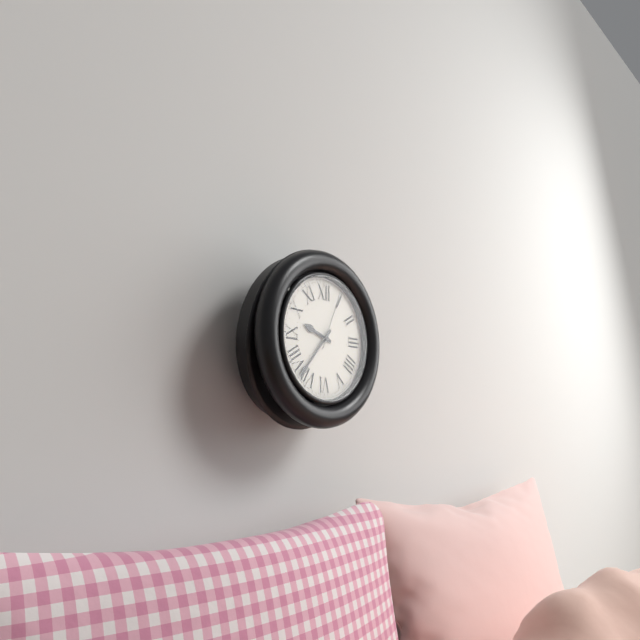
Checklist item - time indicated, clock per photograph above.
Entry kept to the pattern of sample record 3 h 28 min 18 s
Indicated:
9 h 37 min 04 s
